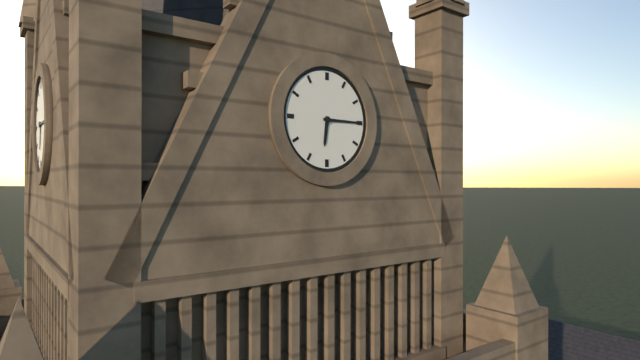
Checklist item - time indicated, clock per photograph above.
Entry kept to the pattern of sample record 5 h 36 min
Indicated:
6 h 15 min
